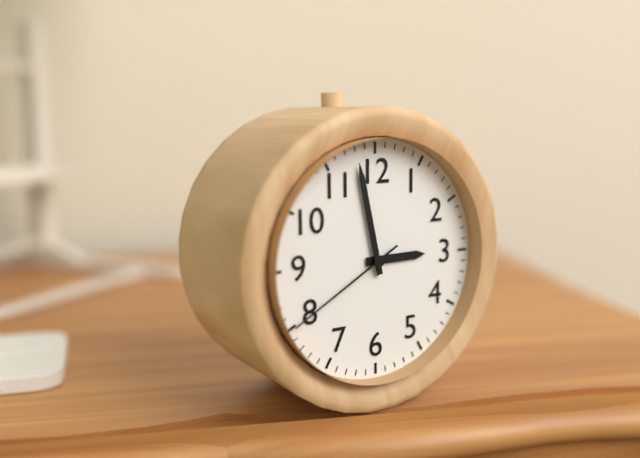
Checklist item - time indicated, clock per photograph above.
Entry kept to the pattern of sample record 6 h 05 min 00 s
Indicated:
2 h 58 min 40 s
